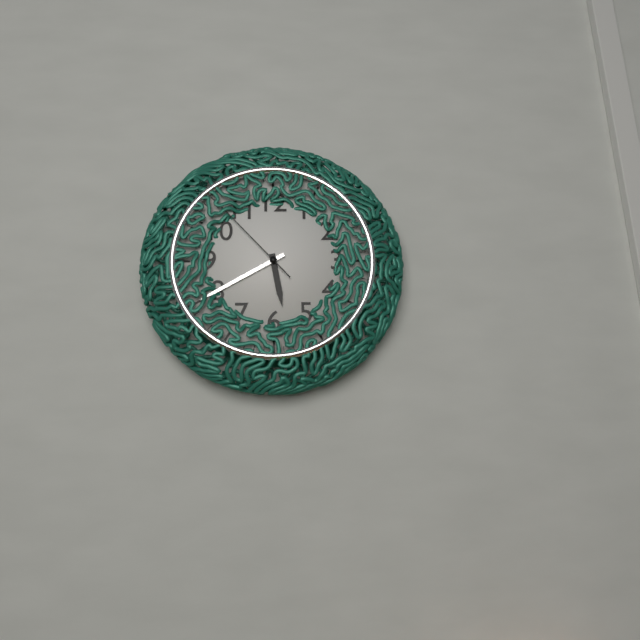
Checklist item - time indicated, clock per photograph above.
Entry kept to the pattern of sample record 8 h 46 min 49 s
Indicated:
5 h 40 min 53 s
